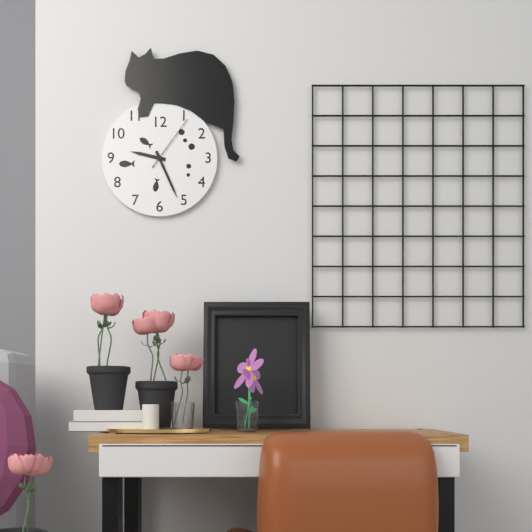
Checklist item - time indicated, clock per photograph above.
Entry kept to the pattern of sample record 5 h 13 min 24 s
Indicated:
9 h 26 min 06 s
